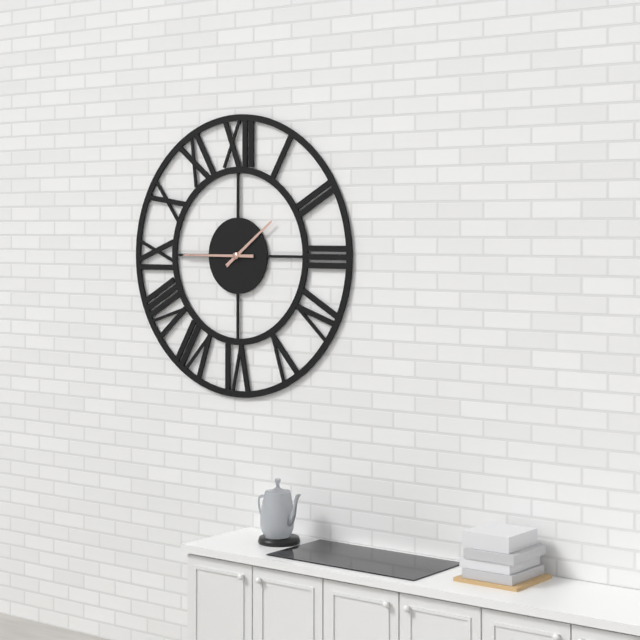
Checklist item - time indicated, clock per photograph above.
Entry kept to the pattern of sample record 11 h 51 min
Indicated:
1 h 45 min
